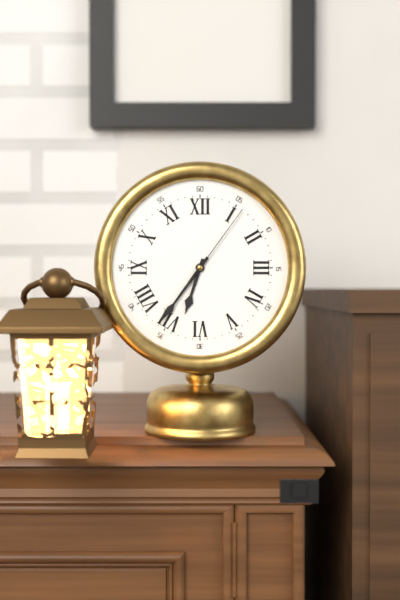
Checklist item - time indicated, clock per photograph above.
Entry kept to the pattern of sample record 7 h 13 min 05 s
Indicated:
6 h 36 min 06 s
